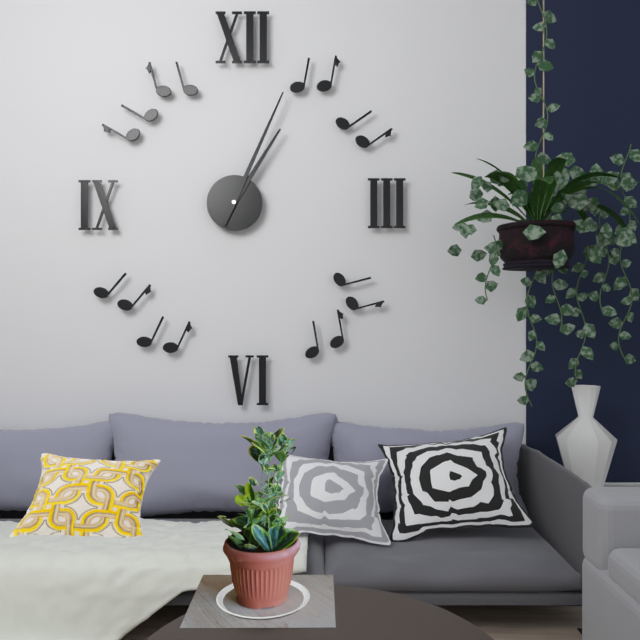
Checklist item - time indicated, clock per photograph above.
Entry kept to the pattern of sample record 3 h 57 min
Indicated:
1 h 04 min
